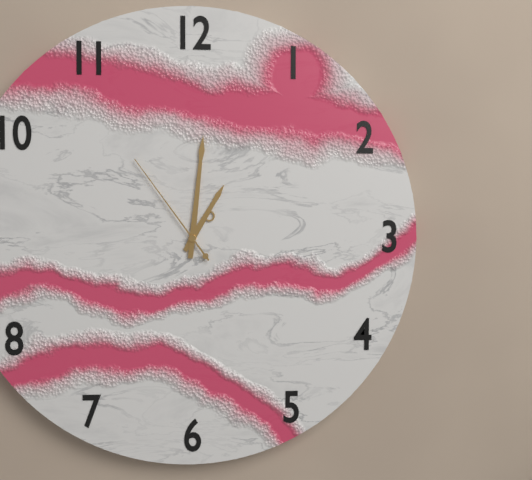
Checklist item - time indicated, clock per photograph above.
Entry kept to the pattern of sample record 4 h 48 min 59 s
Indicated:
1 h 01 min 54 s
